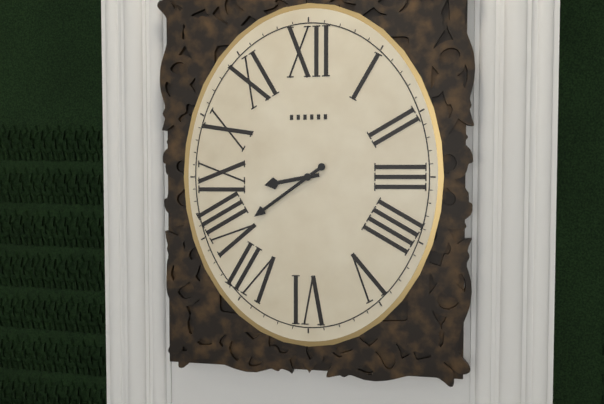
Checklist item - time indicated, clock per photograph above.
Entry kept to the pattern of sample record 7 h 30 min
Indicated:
8 h 39 min
